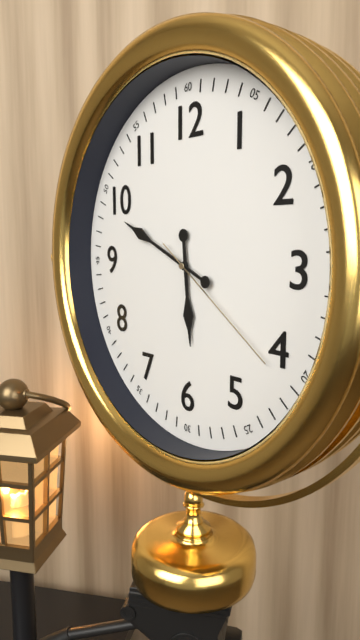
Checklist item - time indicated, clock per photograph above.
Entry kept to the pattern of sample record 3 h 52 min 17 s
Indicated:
5 h 49 min 21 s
